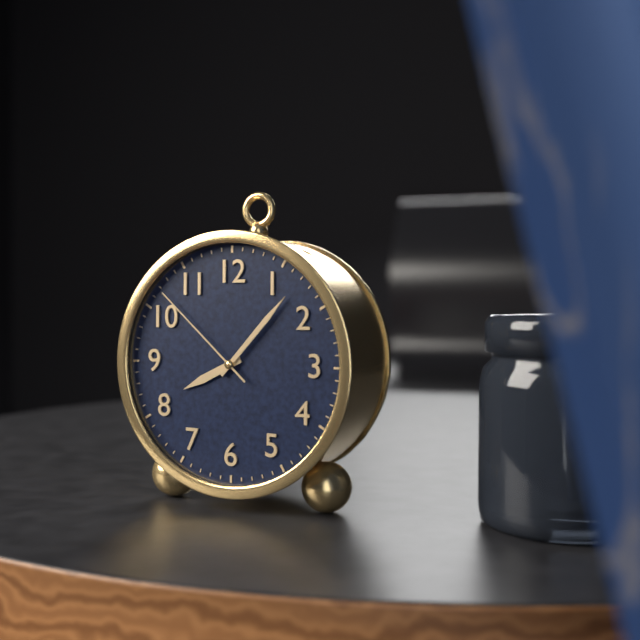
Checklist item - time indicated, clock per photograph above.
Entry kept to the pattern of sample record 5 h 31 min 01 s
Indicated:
8 h 07 min 52 s
